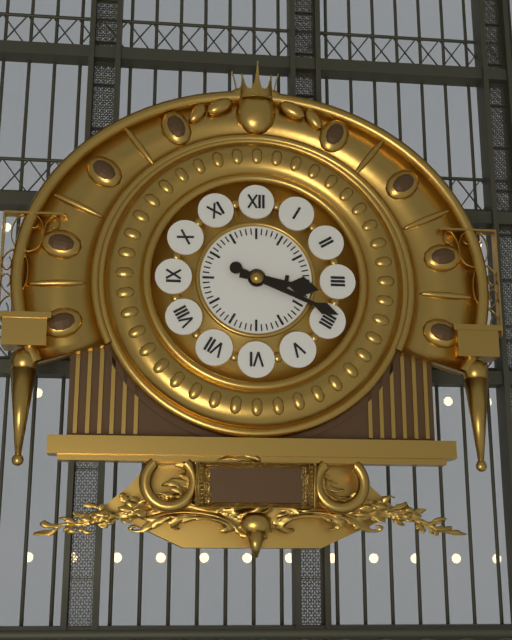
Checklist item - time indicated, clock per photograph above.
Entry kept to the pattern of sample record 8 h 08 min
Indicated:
3 h 19 min
